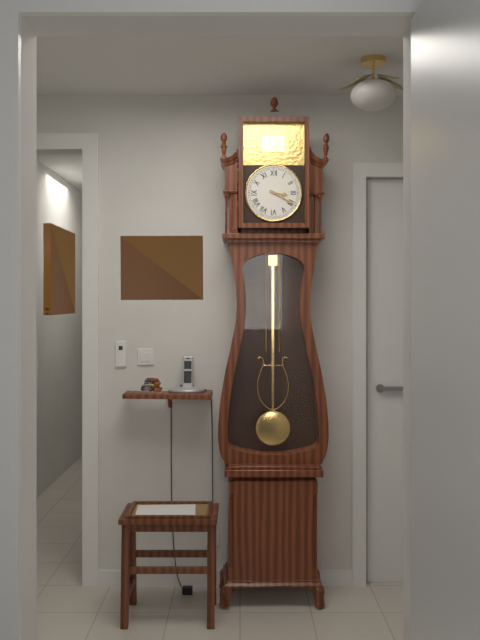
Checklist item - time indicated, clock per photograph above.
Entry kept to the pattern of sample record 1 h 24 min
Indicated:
3 h 20 min
